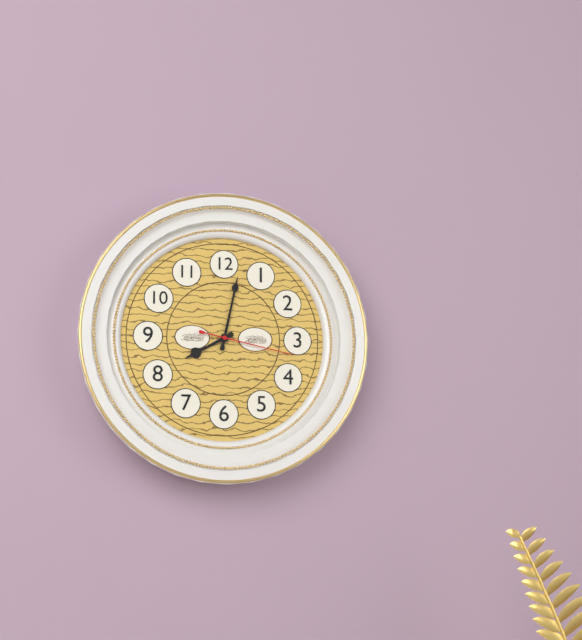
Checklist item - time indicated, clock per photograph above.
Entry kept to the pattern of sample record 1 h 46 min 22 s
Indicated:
8 h 02 min 17 s
